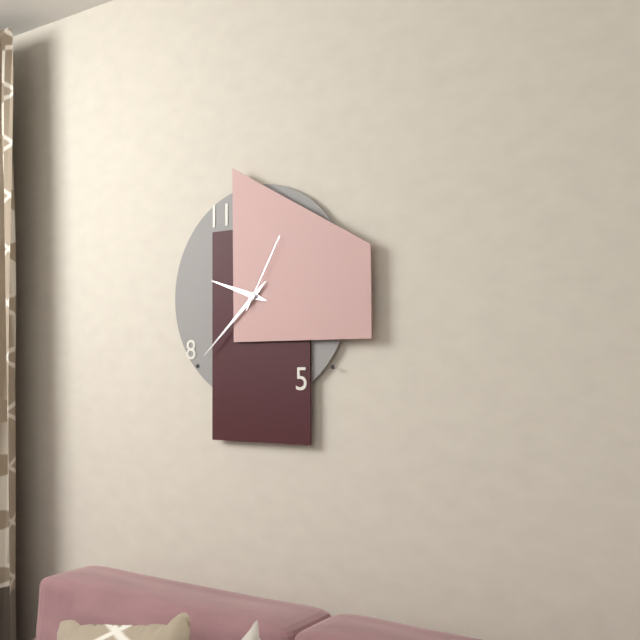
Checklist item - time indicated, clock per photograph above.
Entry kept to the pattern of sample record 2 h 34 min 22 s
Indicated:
9 h 38 min 05 s
